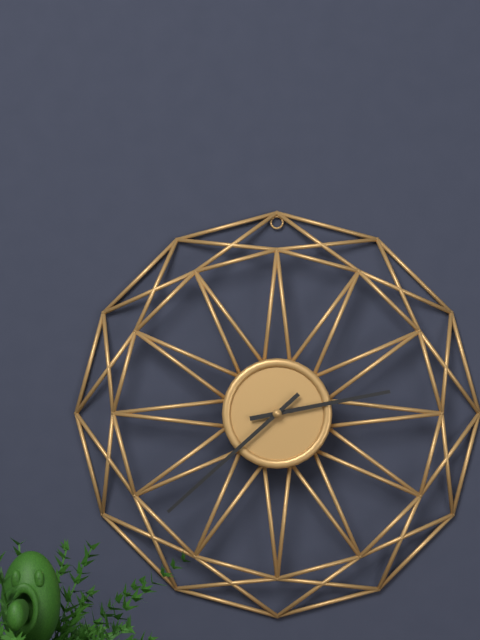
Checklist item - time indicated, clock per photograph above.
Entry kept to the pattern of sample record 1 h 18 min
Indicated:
2 h 38 min
